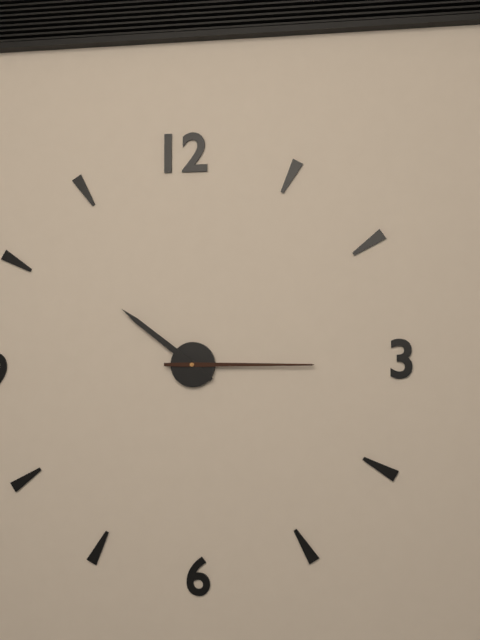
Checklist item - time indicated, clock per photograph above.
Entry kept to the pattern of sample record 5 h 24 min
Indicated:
10 h 15 min
